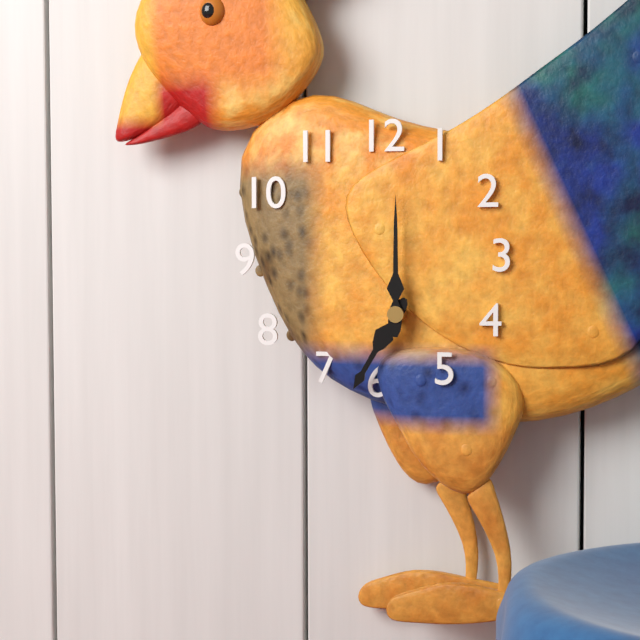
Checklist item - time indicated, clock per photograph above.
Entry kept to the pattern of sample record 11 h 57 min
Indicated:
7 h 00 min
